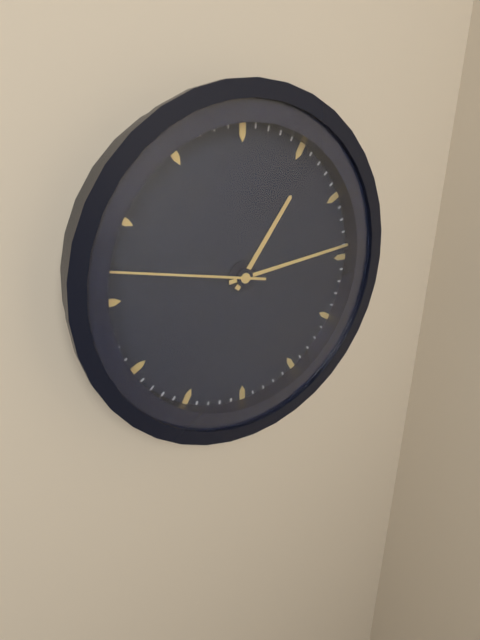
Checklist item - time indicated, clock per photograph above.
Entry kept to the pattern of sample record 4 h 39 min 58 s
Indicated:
1 h 14 min 47 s
